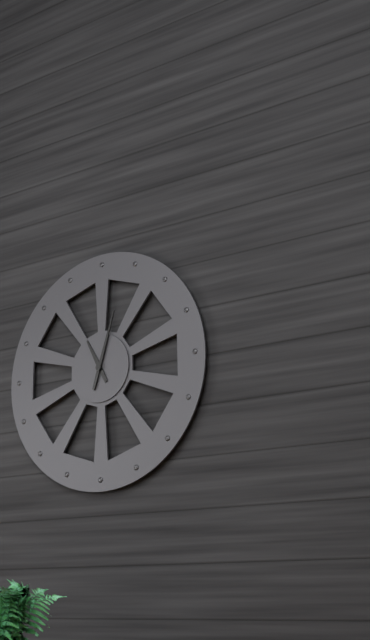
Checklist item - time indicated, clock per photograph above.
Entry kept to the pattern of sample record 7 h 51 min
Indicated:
11 h 03 min
